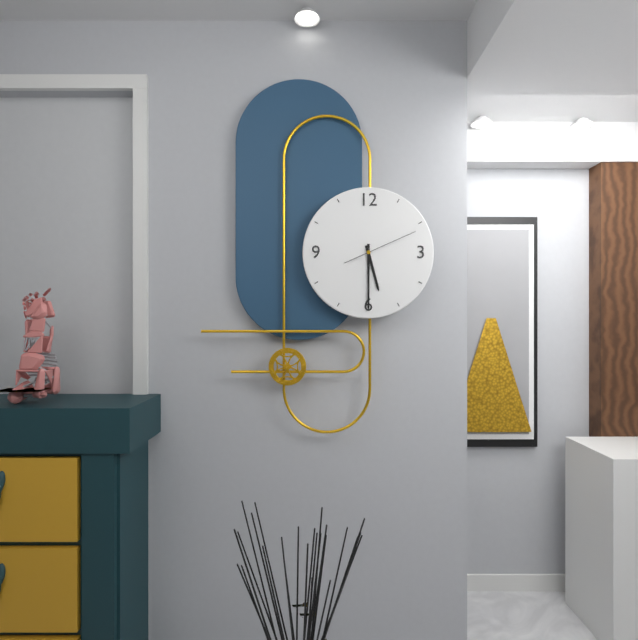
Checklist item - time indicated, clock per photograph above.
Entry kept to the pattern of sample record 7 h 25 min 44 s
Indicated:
5 h 30 min 11 s
